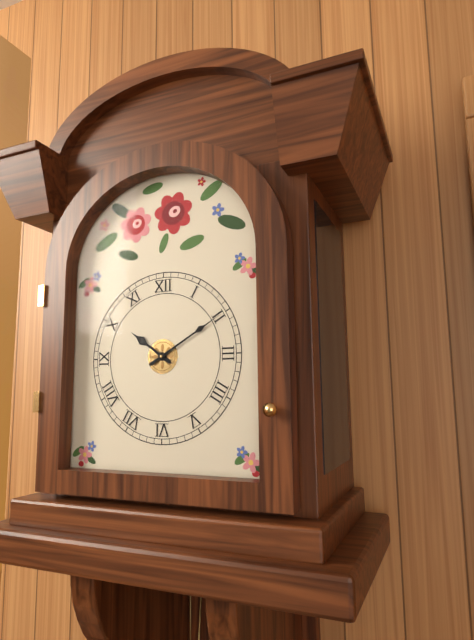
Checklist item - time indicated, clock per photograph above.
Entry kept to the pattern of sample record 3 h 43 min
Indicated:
10 h 10 min
